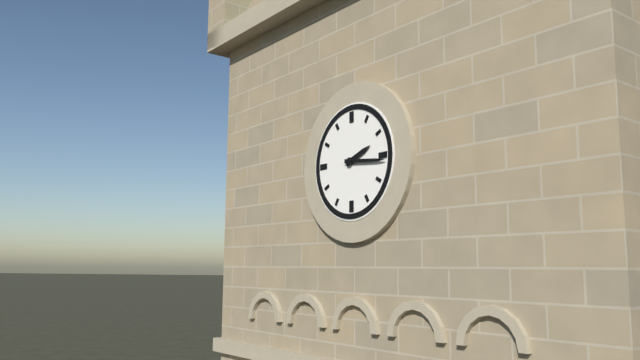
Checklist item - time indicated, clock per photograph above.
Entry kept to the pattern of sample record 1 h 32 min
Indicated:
2 h 16 min
